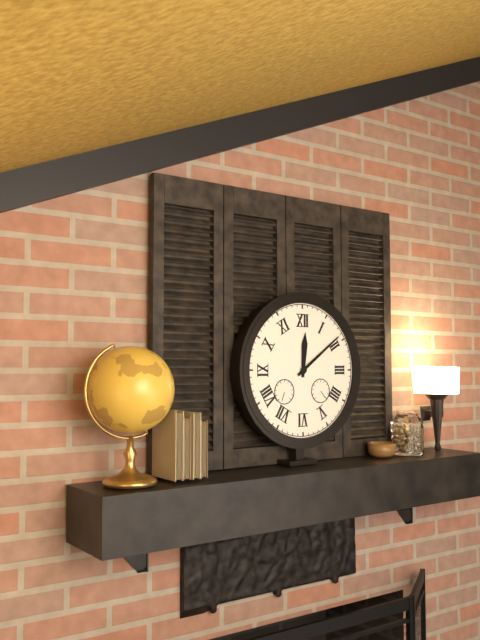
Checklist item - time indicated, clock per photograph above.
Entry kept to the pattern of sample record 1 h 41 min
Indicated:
12 h 09 min
